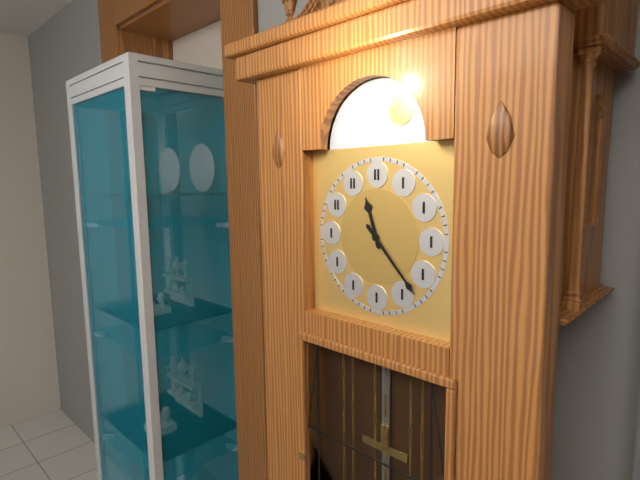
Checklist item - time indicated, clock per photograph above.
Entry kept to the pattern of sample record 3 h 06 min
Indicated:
11 h 23 min
